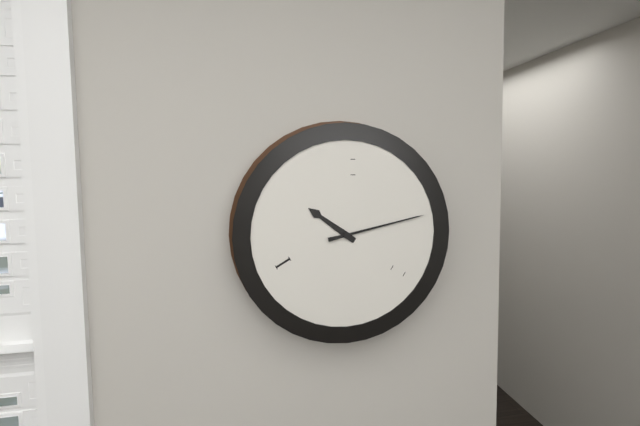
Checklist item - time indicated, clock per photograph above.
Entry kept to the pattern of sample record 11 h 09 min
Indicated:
10 h 13 min
